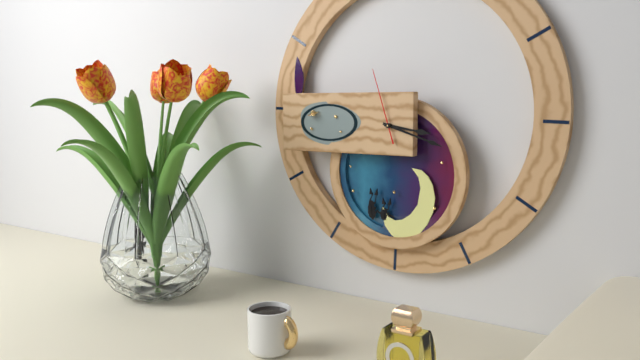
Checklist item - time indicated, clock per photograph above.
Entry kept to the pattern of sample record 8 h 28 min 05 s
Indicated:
3 h 18 min 57 s
